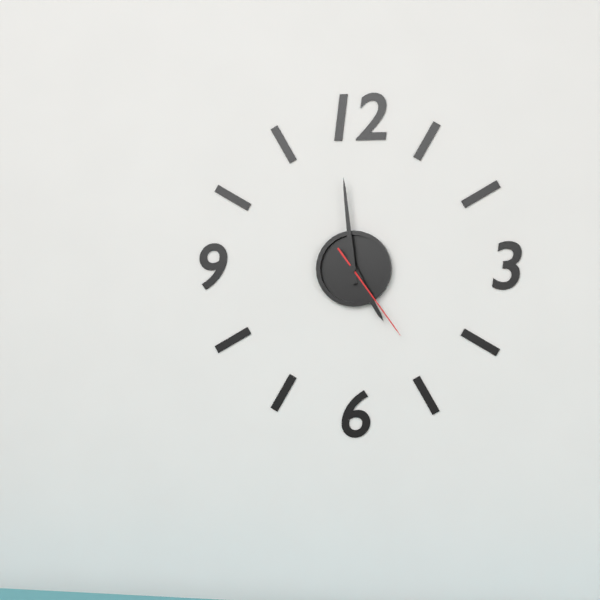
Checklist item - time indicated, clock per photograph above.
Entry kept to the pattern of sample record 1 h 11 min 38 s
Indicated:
4 h 59 min 24 s
